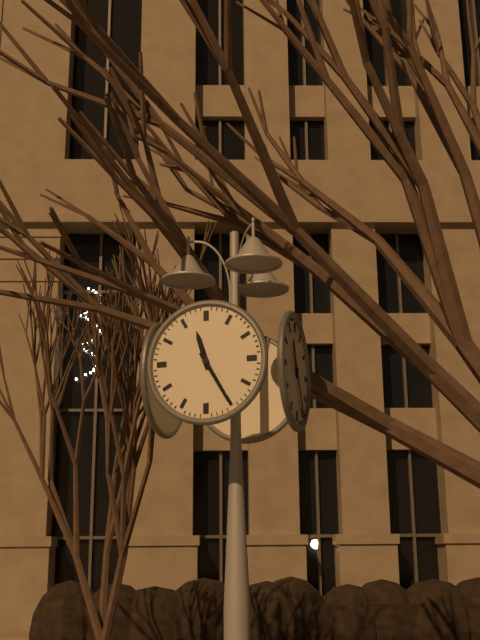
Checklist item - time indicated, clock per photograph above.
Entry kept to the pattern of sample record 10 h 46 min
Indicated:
11 h 25 min
